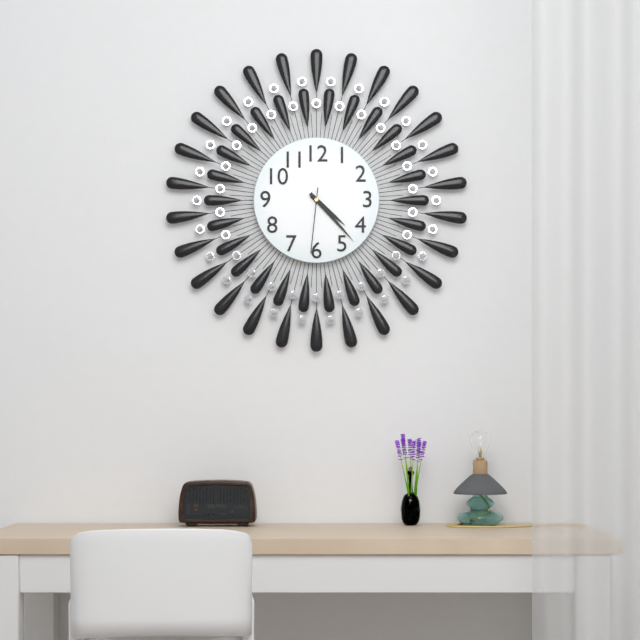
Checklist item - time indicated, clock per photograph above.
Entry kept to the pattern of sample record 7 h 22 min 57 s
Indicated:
4 h 23 min 31 s
